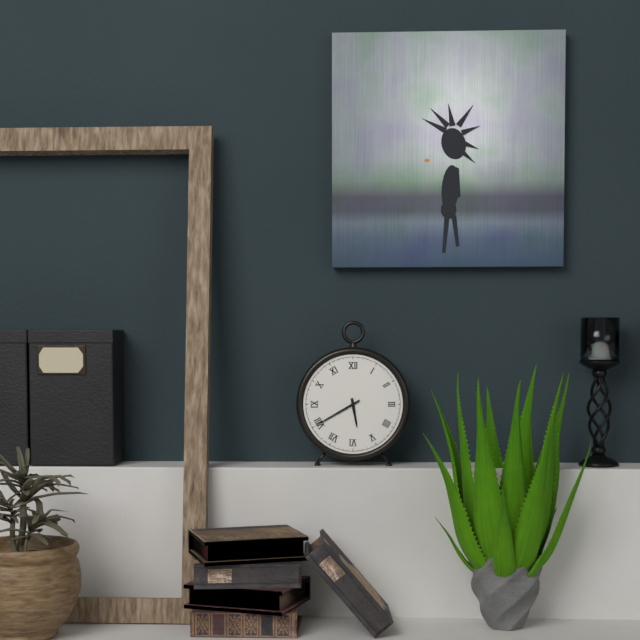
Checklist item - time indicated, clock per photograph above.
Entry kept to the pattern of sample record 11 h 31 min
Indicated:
5 h 40 min
